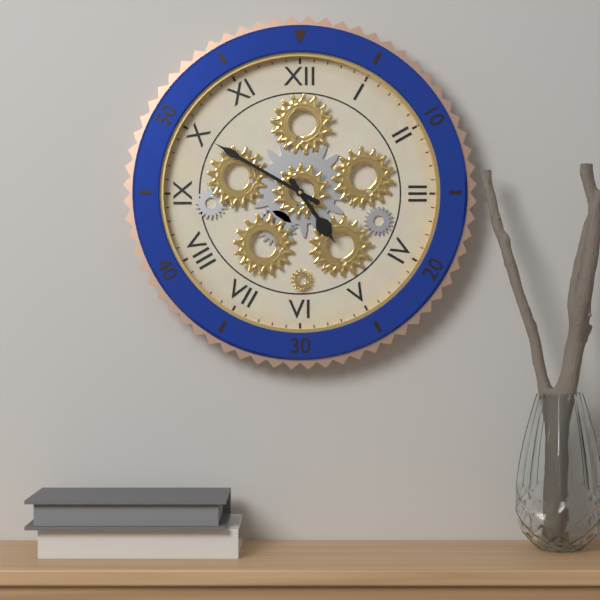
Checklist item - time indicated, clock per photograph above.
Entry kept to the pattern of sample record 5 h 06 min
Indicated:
4 h 50 min
